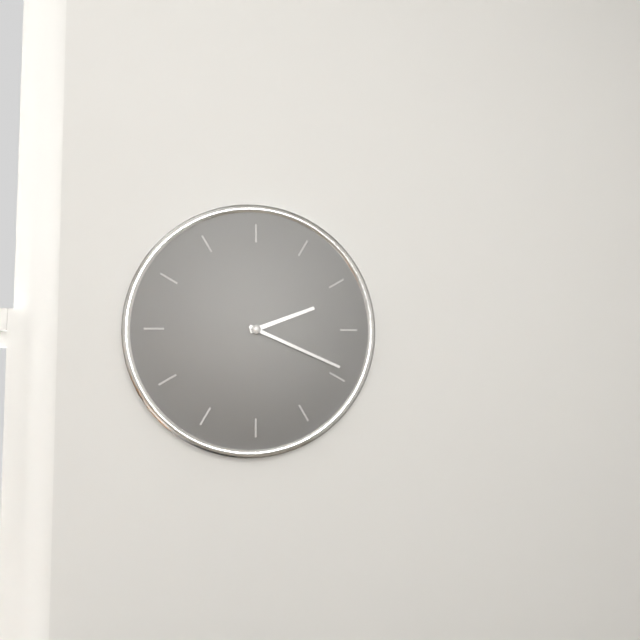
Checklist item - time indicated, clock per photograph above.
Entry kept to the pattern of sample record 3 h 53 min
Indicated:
2 h 19 min
